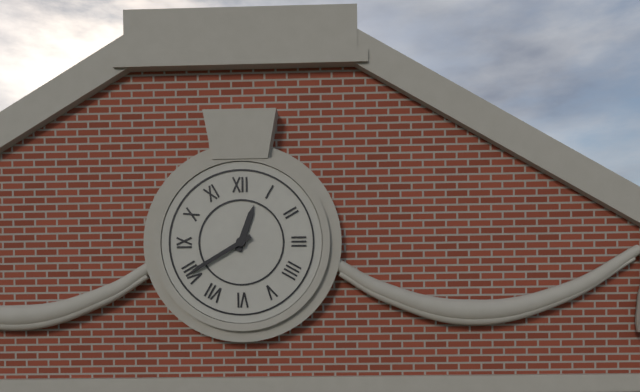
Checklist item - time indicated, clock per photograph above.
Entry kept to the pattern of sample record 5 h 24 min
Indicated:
12 h 40 min
